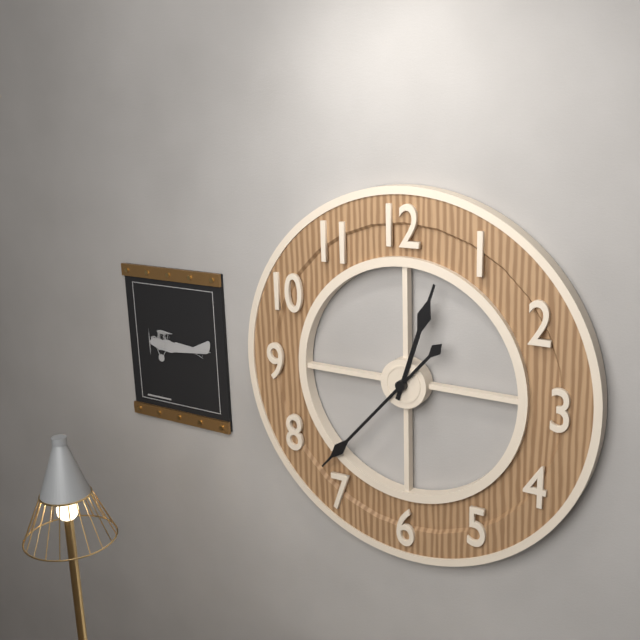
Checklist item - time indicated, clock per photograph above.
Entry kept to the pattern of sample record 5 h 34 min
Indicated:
12 h 37 min
